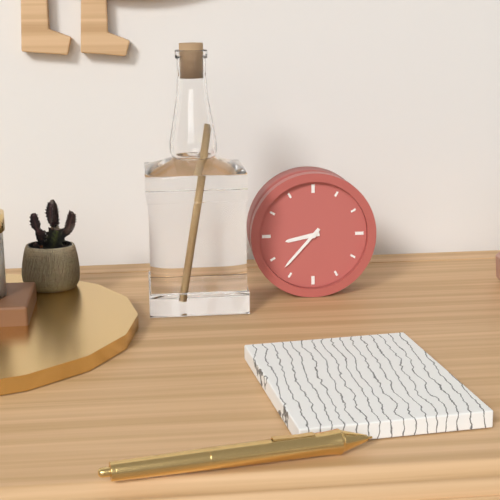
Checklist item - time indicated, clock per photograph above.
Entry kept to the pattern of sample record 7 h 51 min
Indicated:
8 h 37 min
